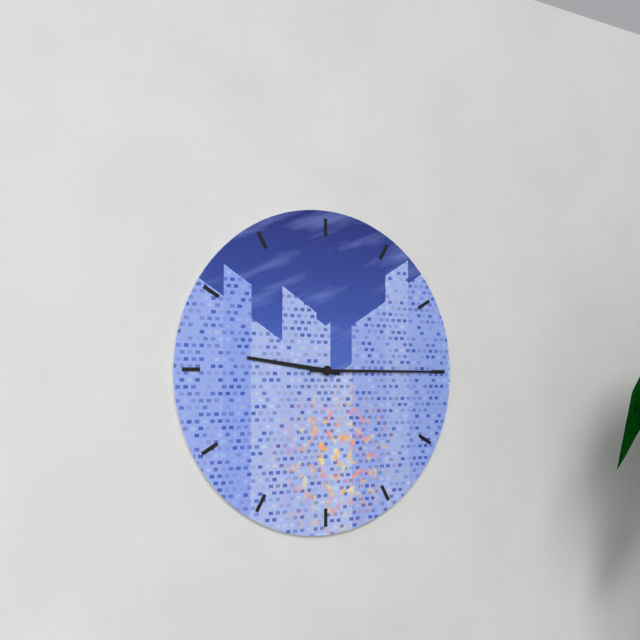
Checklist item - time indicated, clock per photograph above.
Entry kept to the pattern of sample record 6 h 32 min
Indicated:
9 h 15 min
